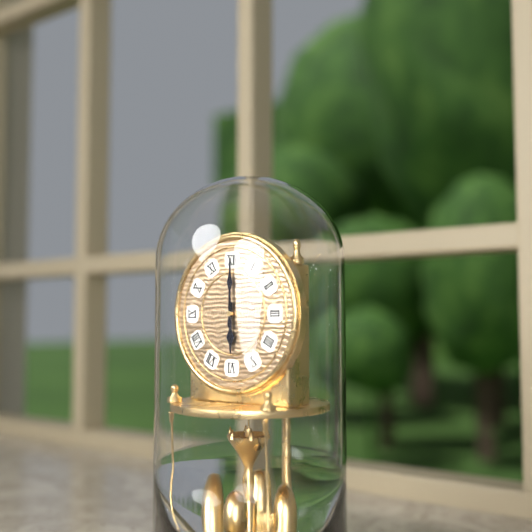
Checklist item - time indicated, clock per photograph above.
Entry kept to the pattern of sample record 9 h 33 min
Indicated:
6 h 00 min
